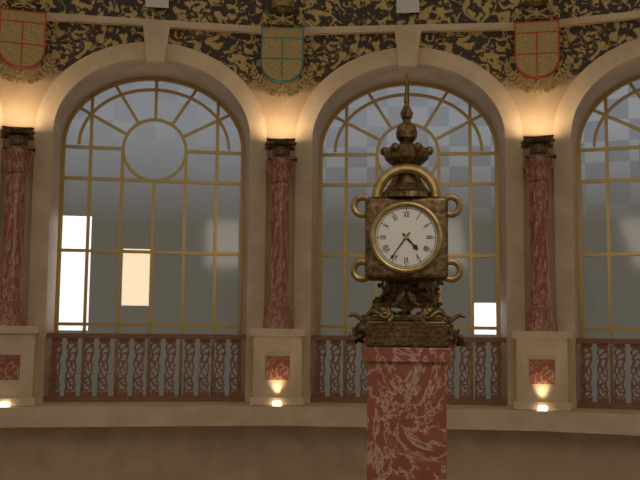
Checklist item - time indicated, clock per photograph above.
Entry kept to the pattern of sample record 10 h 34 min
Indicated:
4 h 36 min
